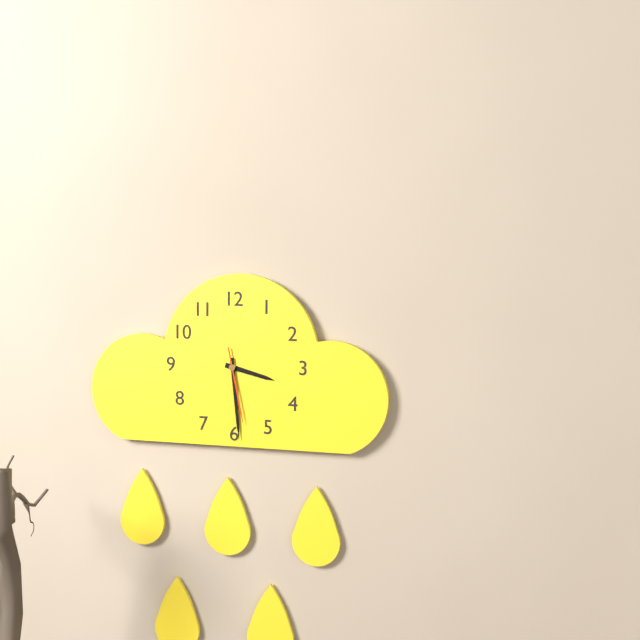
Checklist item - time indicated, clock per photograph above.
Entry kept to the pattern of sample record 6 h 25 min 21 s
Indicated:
3 h 29 min 28 s
